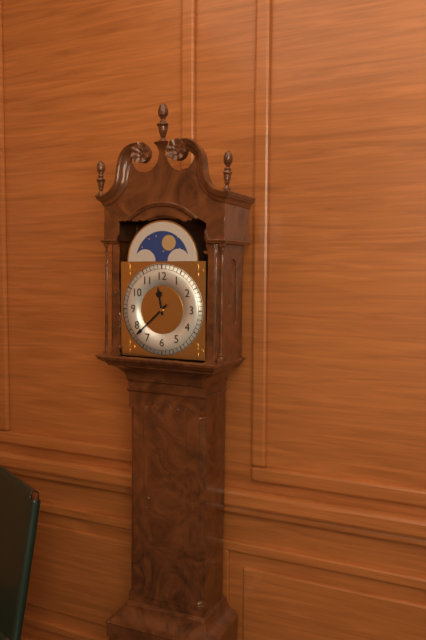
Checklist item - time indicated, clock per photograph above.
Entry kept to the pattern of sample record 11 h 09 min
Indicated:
11 h 38 min
